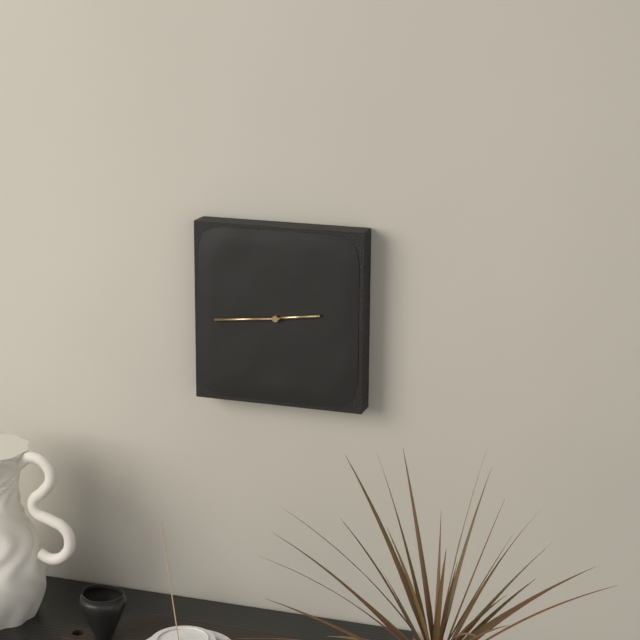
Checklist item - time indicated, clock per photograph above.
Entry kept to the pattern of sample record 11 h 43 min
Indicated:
2 h 44 min
